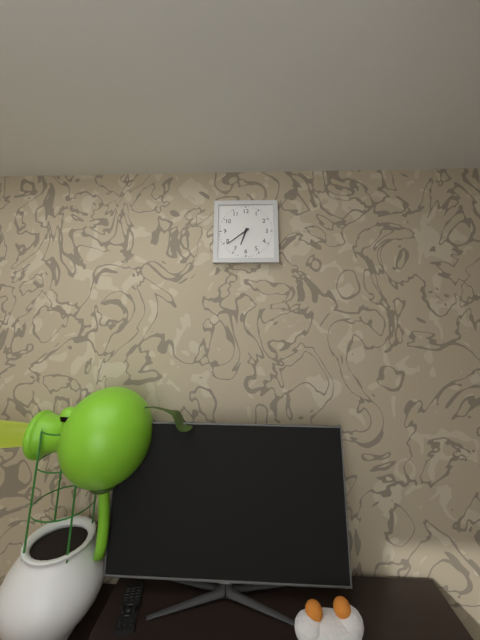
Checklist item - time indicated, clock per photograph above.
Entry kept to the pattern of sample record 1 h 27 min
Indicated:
6 h 39 min
